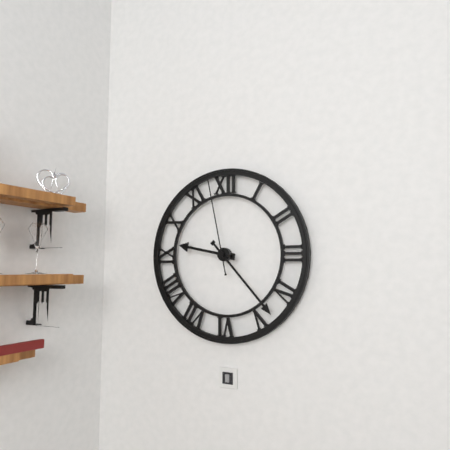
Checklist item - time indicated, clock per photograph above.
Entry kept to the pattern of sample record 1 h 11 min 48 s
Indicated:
9 h 23 min 58 s
